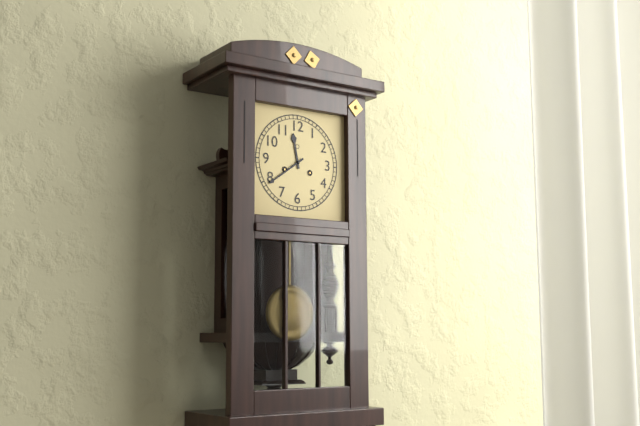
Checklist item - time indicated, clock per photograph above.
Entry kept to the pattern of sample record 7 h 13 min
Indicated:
11 h 39 min
